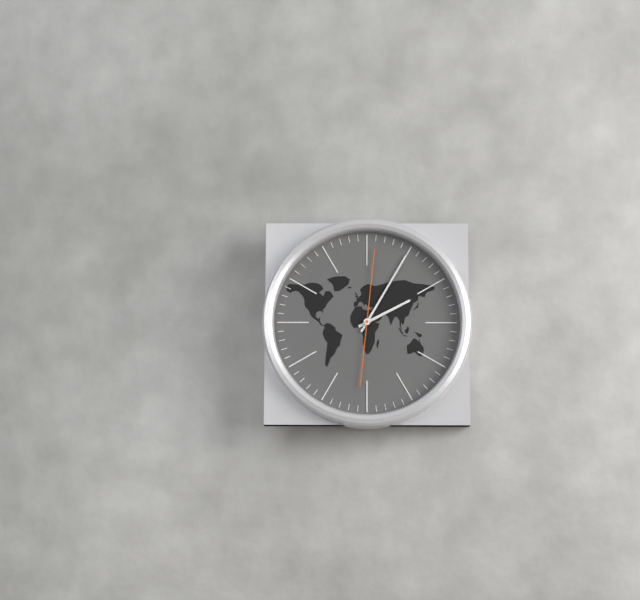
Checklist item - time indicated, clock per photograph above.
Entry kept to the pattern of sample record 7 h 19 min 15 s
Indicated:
2 h 05 min 01 s
